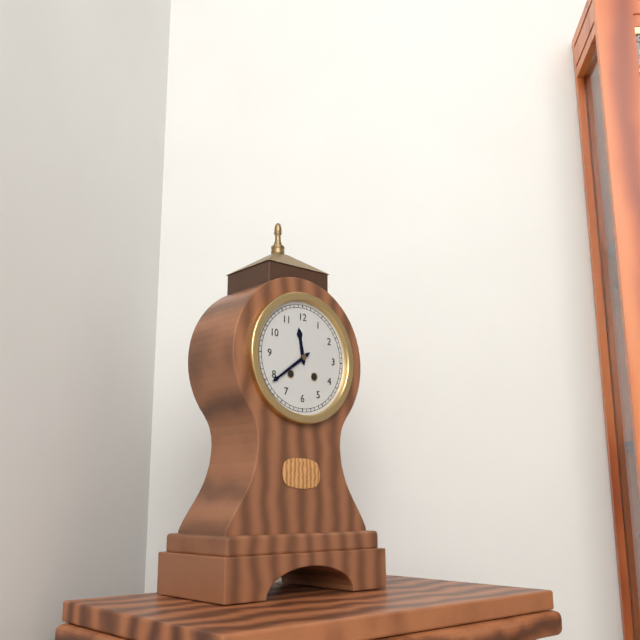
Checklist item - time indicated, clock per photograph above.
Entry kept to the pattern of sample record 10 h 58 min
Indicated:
11 h 39 min
